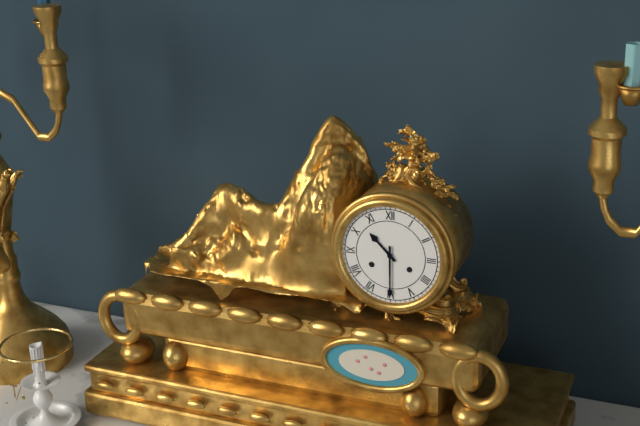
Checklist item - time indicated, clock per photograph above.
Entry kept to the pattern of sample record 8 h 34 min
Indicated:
10 h 30 min
